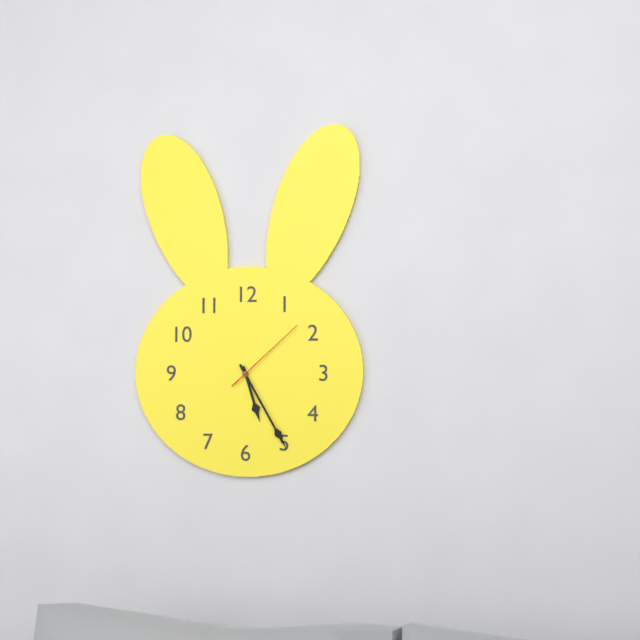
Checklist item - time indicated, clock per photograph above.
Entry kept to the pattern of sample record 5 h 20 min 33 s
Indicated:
5 h 25 min 08 s
